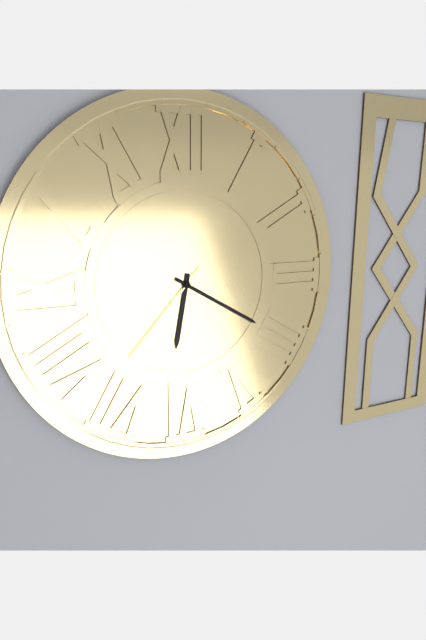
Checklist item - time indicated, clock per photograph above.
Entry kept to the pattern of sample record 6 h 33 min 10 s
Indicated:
6 h 20 min 37 s
